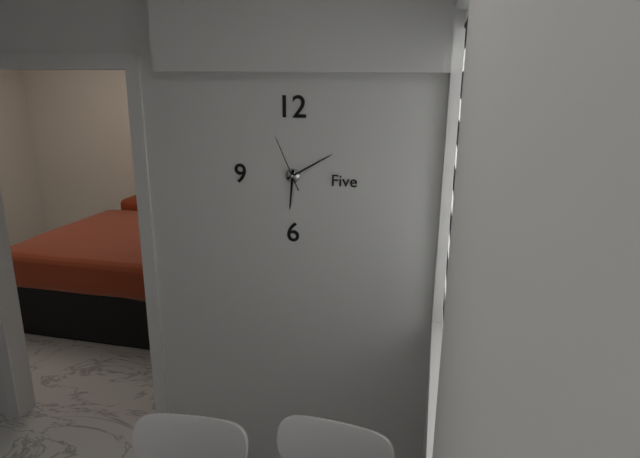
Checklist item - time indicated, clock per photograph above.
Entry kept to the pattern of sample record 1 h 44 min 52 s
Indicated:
6 h 10 min 56 s
